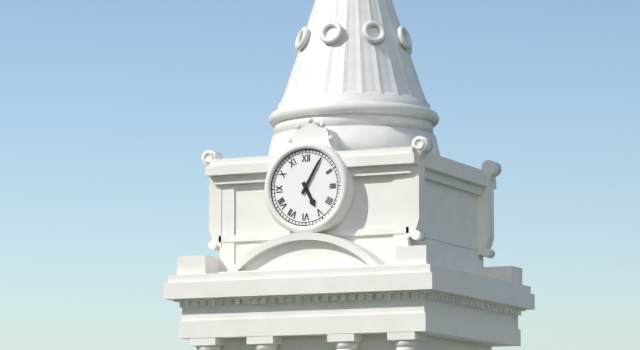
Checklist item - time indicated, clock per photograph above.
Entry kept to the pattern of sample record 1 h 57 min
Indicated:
5 h 05 min
